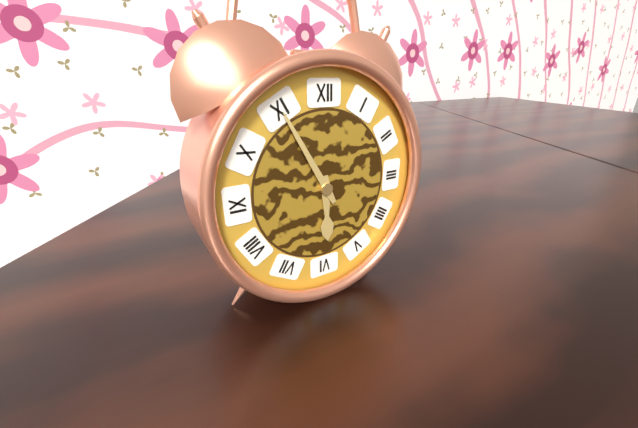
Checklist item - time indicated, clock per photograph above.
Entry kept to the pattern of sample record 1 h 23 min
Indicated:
5 h 55 min
